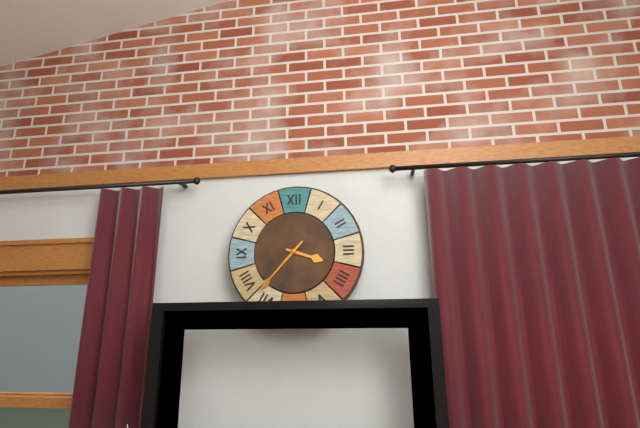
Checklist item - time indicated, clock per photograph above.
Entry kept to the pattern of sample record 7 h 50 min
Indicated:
3 h 37 min
